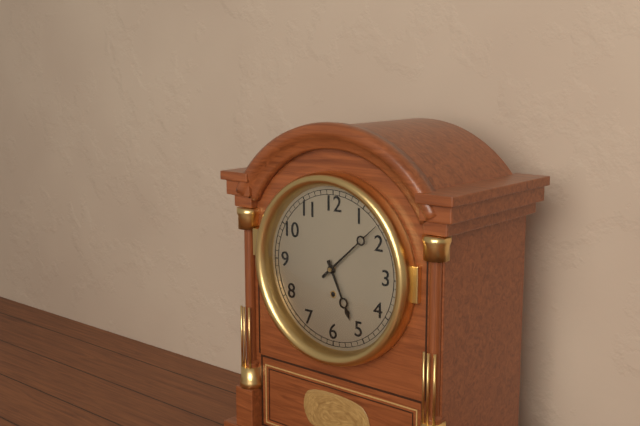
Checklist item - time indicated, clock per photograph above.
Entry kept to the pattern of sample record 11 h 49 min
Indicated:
5 h 08 min
